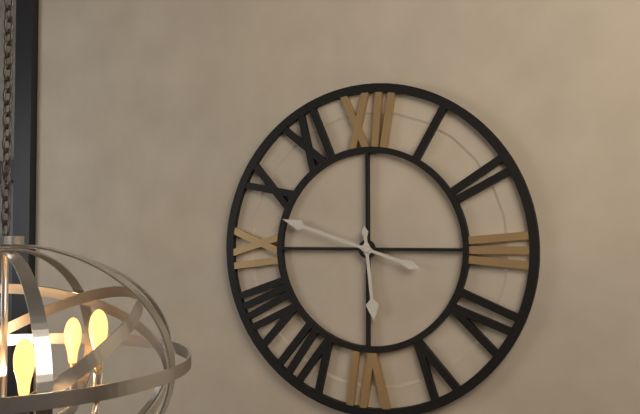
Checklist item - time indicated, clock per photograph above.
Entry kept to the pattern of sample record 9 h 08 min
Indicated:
5 h 48 min
